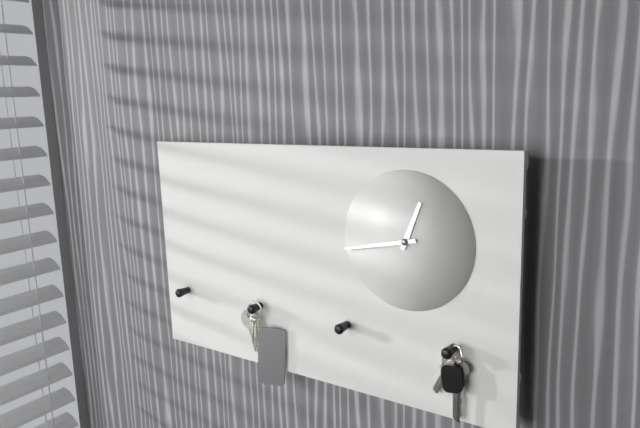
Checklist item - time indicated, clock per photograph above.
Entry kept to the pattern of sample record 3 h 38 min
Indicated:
12 h 43 min
